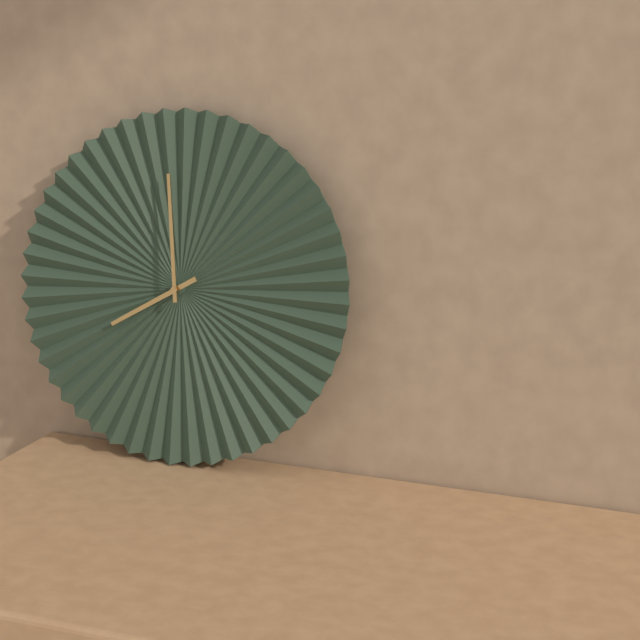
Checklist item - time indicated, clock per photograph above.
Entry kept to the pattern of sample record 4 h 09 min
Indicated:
7 h 59 min
